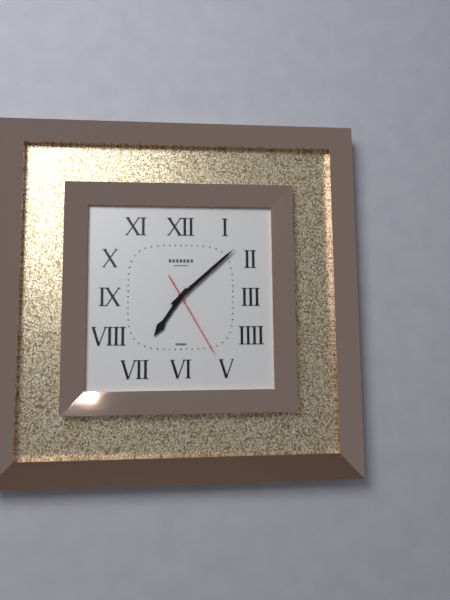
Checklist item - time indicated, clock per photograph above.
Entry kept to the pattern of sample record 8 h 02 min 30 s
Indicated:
7 h 08 min 25 s
